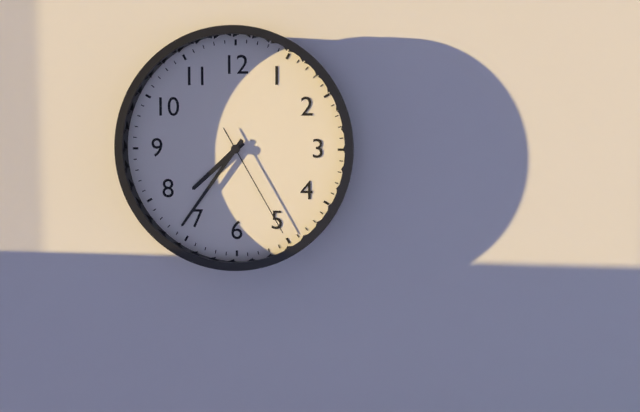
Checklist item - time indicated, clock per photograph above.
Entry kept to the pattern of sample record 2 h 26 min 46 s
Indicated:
7 h 36 min 25 s
